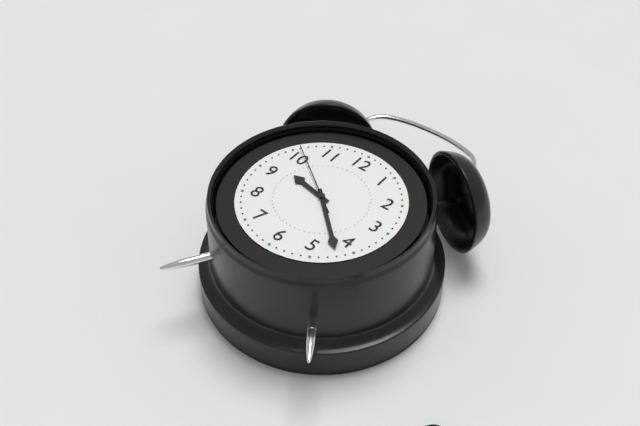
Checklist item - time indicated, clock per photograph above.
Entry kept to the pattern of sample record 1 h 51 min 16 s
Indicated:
9 h 22 min 51 s
